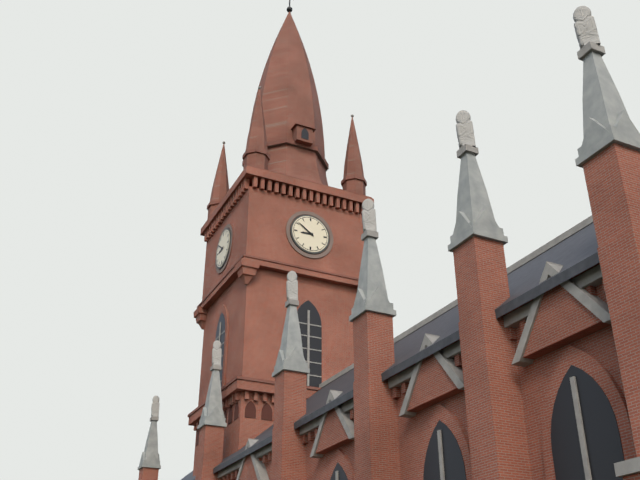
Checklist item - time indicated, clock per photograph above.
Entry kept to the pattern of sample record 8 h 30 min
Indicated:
8 h 51 min
